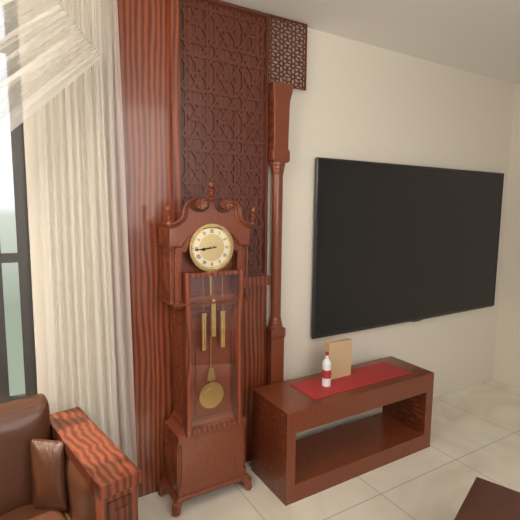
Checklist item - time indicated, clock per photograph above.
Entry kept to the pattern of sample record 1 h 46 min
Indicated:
8 h 44 min
